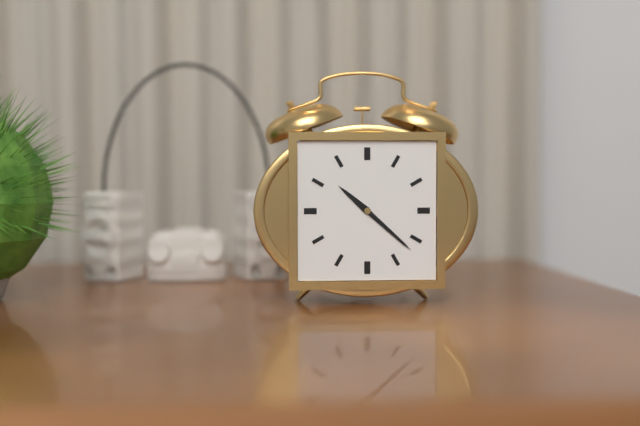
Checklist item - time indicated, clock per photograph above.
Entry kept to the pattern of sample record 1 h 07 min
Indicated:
10 h 22 min
